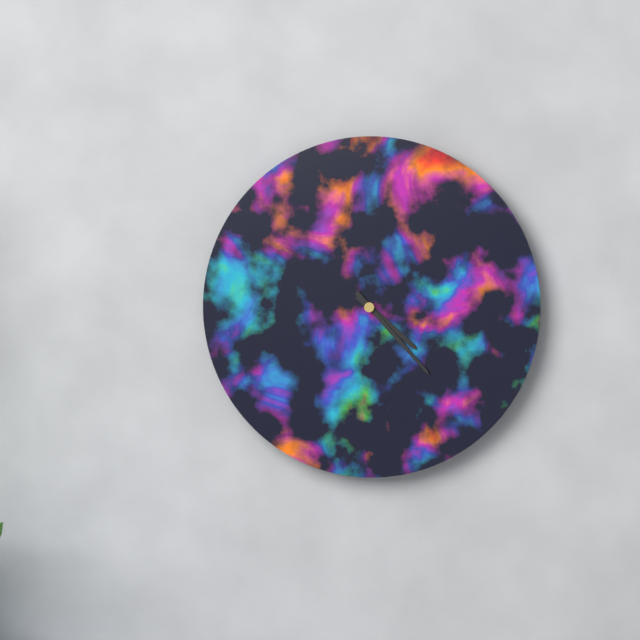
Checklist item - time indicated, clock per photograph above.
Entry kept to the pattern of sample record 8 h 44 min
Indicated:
4 h 23 min
